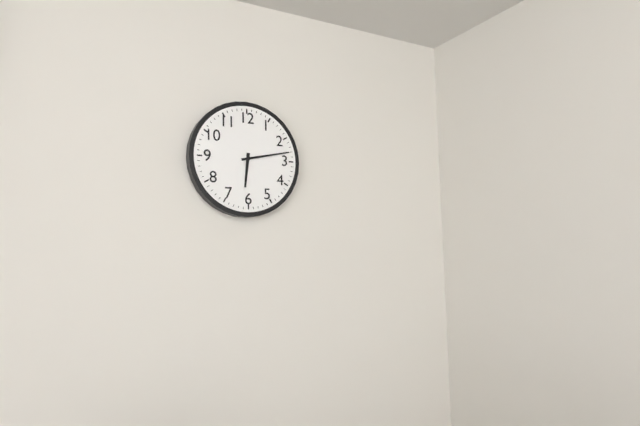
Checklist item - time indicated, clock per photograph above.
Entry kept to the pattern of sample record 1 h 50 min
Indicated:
6 h 13 min
